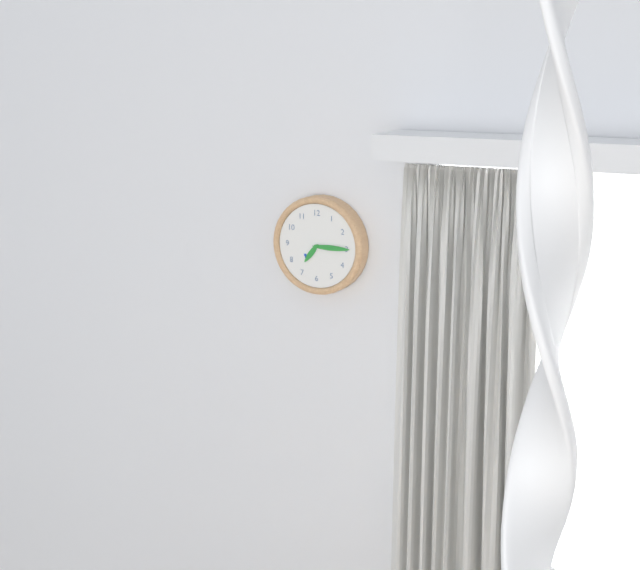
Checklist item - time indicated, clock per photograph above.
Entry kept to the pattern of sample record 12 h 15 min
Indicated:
7 h 15 min
